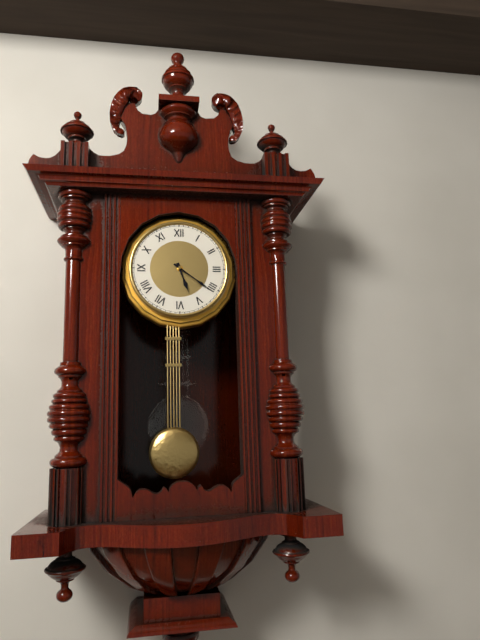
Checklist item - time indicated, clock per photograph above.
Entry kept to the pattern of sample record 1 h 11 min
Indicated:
5 h 21 min
